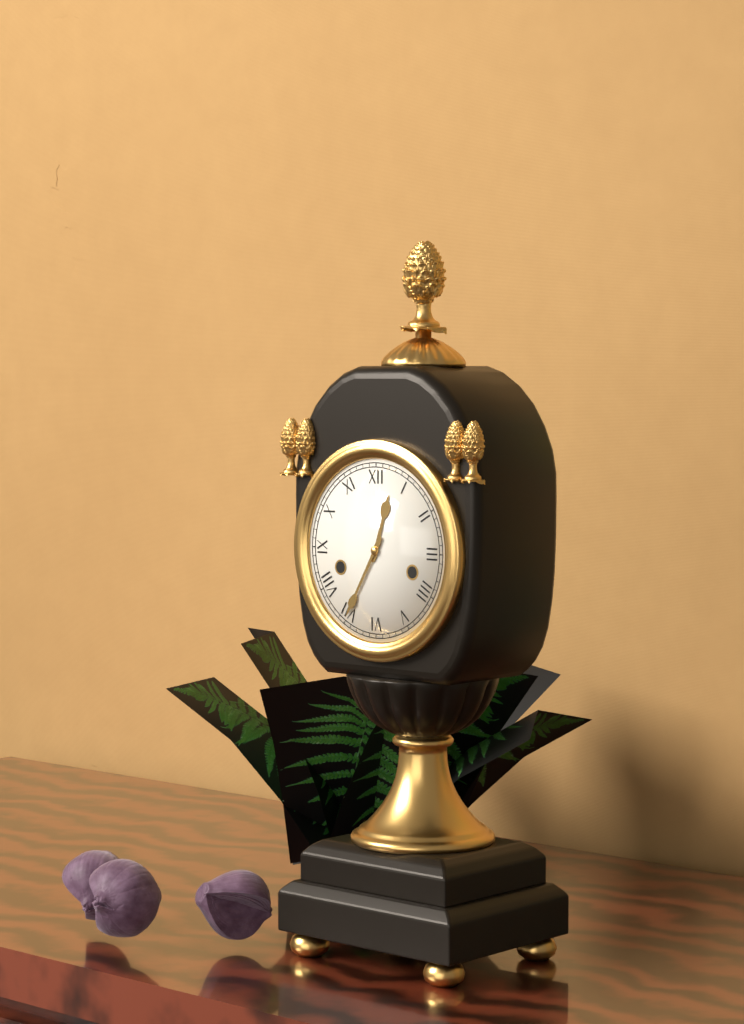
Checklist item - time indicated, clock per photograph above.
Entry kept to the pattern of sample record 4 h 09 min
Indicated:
12 h 35 min
